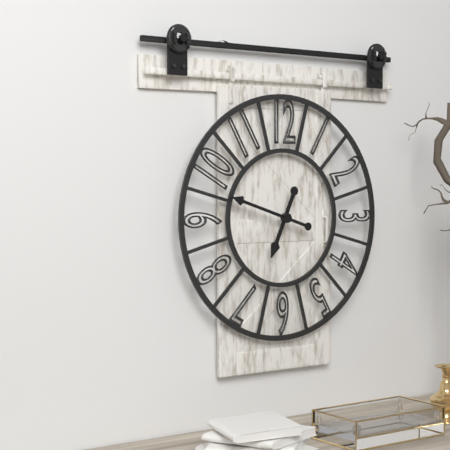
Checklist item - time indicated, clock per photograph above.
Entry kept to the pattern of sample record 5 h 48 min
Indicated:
6 h 48 min
